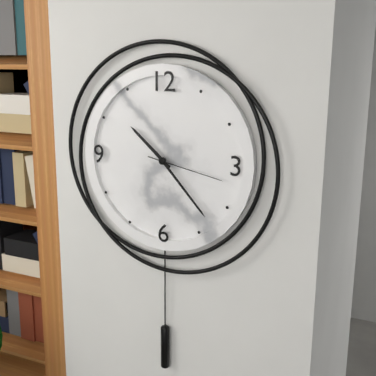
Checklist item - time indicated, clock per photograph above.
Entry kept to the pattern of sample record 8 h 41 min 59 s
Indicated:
10 h 23 min 17 s
